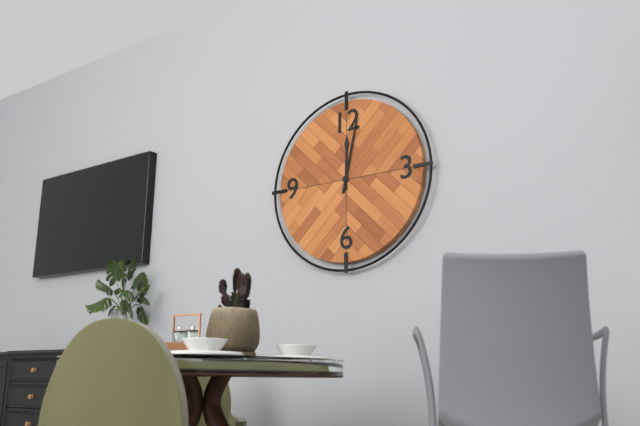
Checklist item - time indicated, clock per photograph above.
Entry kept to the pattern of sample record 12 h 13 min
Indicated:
12 h 02 min
